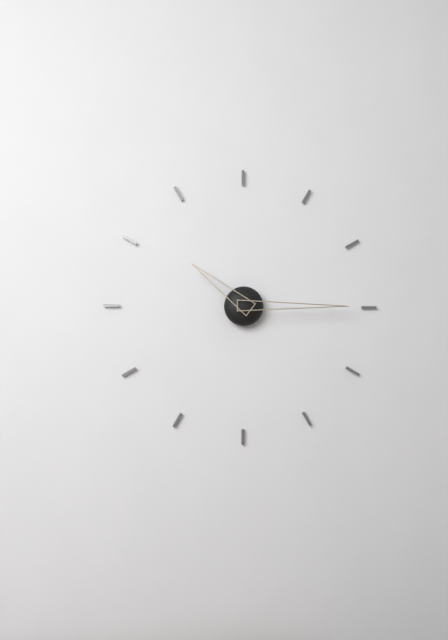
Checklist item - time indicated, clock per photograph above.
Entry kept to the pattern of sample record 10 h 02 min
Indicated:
10 h 15 min
